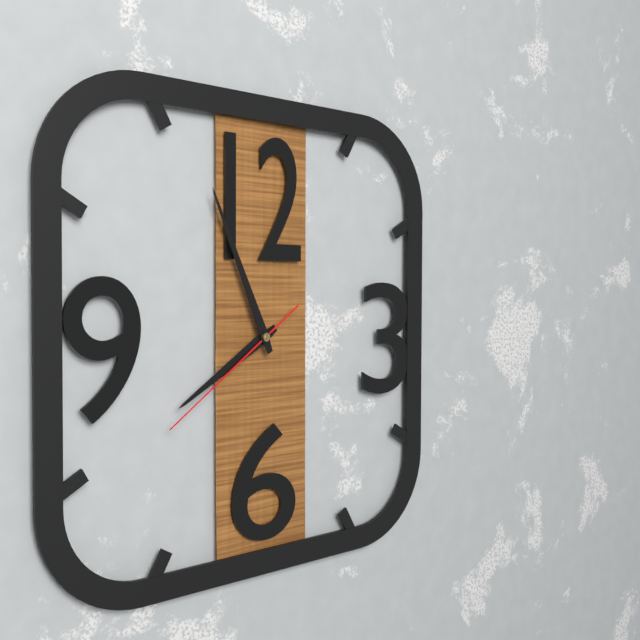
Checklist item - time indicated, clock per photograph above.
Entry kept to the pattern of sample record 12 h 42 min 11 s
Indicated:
7 h 56 min 39 s
